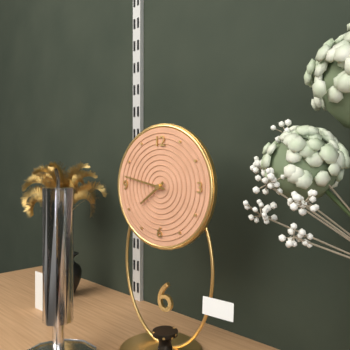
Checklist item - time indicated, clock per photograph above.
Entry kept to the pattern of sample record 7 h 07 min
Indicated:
7 h 47 min
